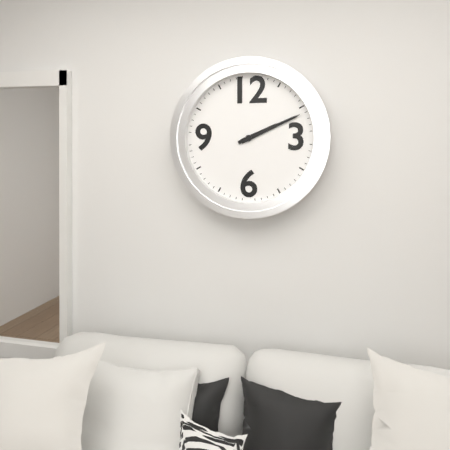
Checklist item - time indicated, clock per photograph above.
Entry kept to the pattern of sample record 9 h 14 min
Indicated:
2 h 11 min
